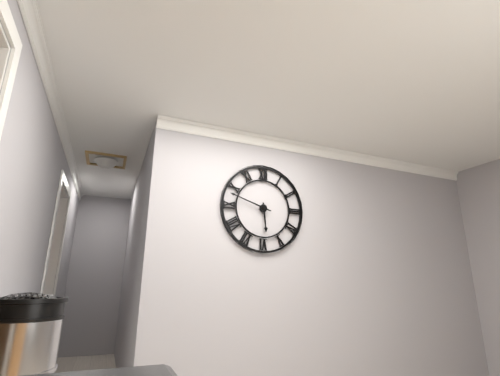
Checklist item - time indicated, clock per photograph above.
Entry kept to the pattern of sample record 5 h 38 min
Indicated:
5 h 48 min
